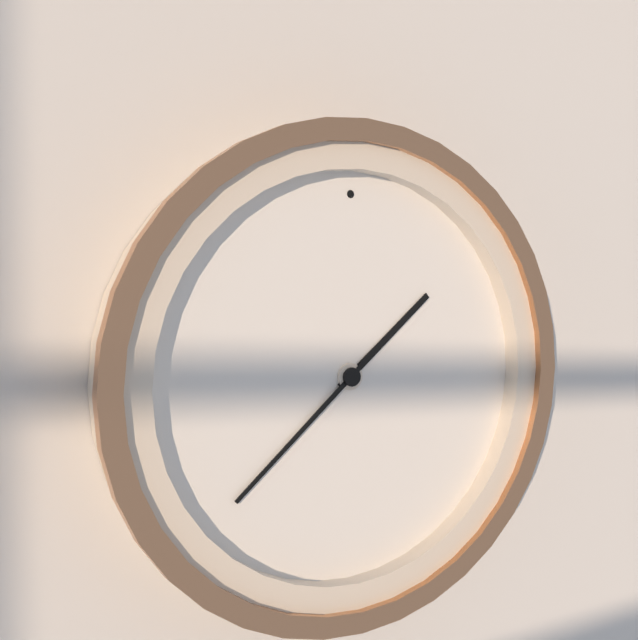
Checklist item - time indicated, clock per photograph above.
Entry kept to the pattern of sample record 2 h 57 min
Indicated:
1 h 38 min
